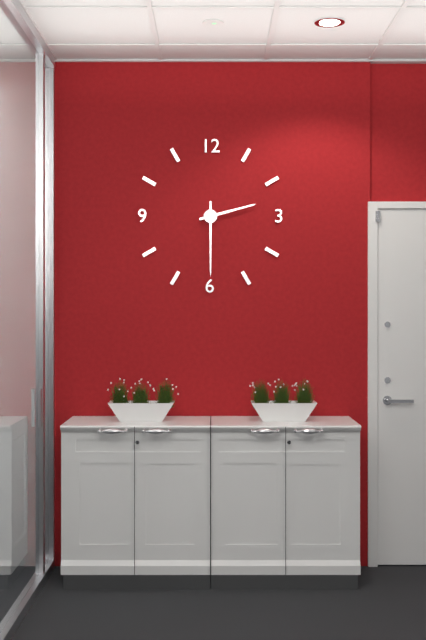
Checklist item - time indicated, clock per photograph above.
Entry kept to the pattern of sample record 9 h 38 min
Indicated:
2 h 30 min
